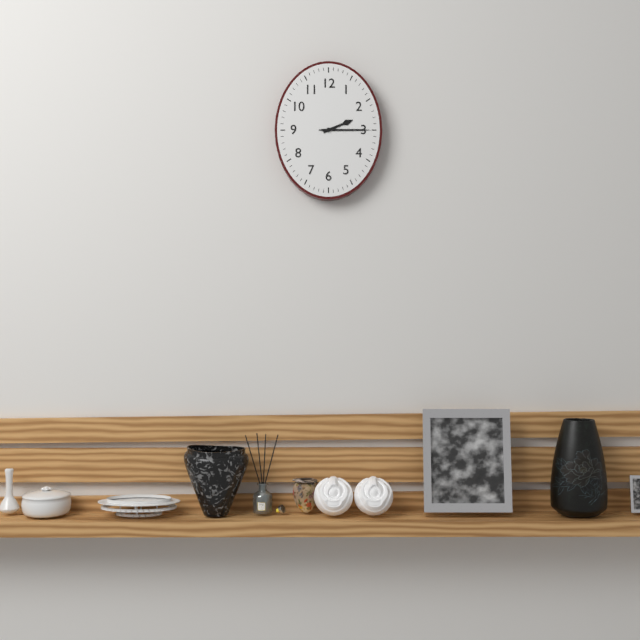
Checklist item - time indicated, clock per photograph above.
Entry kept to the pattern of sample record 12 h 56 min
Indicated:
2 h 15 min
